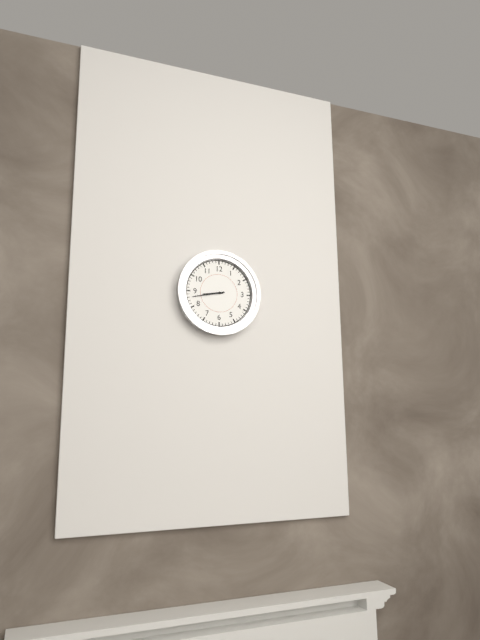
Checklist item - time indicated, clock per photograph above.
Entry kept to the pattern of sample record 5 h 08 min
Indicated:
8 h 43 min
